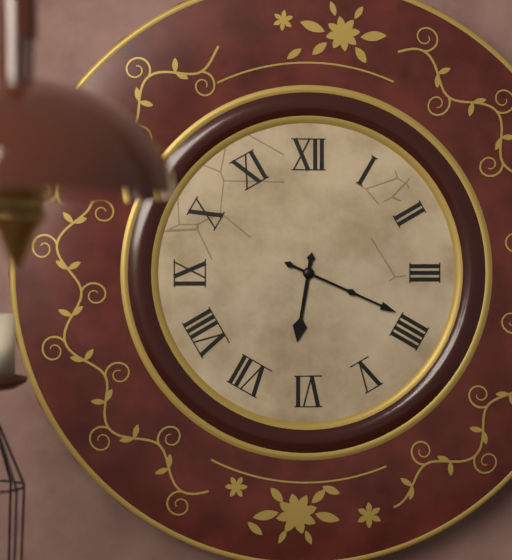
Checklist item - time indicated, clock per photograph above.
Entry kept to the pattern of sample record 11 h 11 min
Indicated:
6 h 19 min
